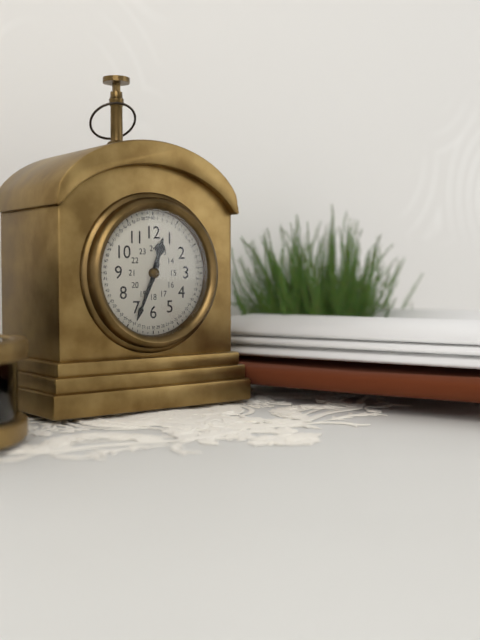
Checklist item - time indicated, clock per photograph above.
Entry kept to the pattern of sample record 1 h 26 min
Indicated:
12 h 34 min
